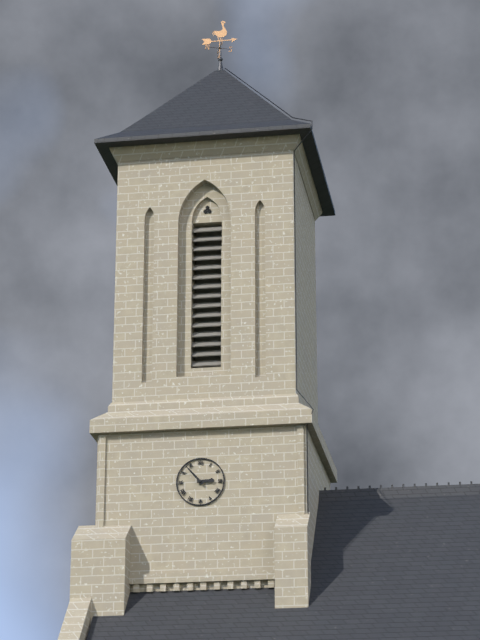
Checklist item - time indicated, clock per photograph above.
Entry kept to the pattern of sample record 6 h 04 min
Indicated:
2 h 53 min
